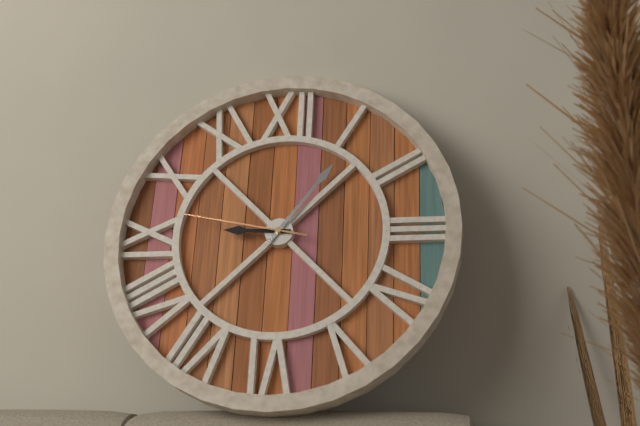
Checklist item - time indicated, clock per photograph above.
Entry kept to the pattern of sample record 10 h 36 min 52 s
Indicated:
9 h 06 min 47 s
